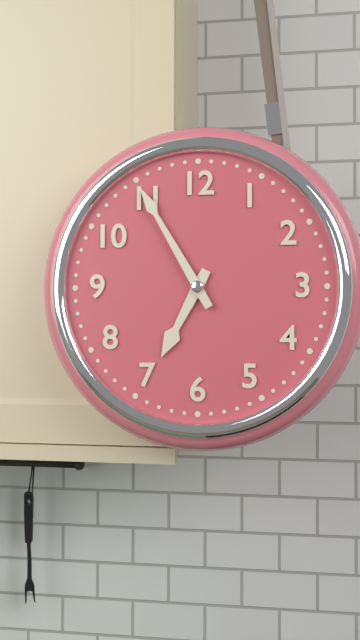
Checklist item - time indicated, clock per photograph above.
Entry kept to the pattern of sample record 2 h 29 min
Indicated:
6 h 55 min
